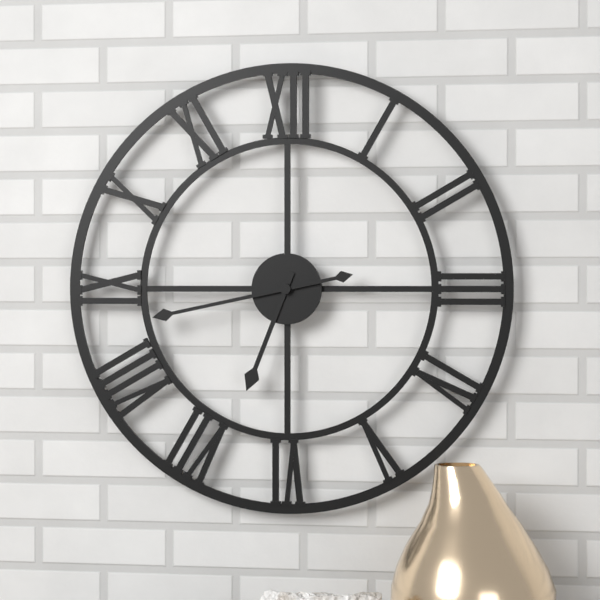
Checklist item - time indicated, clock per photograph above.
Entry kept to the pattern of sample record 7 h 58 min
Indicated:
6 h 43 min
